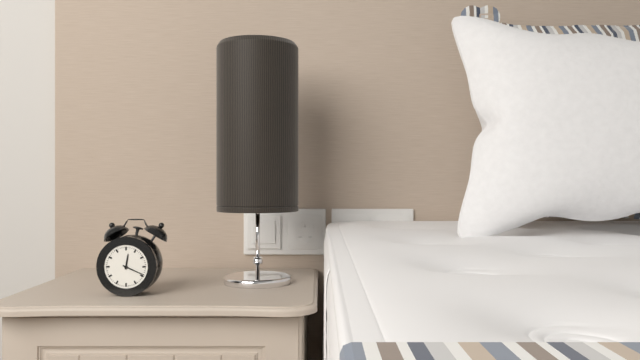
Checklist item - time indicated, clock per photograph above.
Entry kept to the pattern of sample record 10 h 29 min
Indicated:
12 h 19 min
